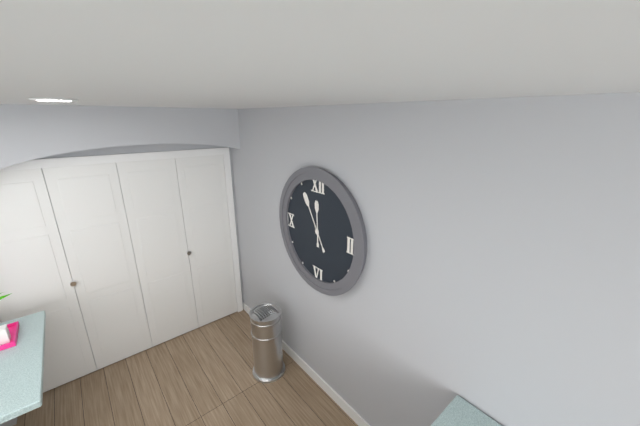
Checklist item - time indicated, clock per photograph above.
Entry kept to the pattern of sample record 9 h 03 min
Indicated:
11 h 55 min
